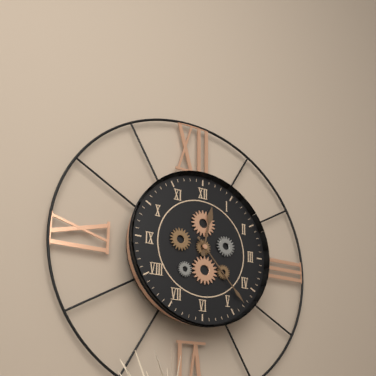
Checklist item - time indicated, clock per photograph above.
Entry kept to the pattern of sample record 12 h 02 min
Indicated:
12 h 23 min
